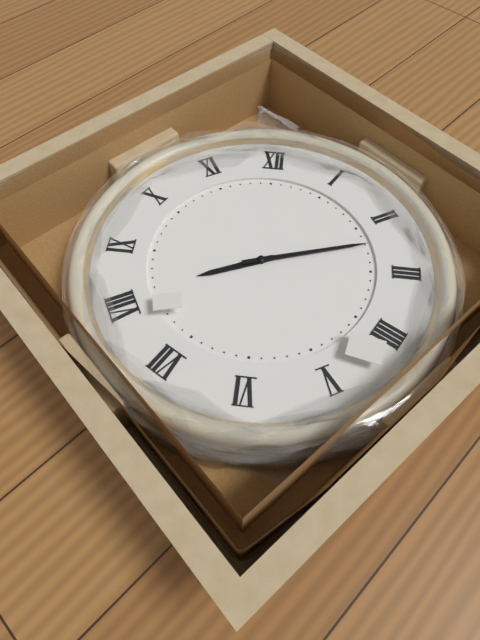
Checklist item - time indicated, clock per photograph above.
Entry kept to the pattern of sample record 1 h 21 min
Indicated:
8 h 12 min
